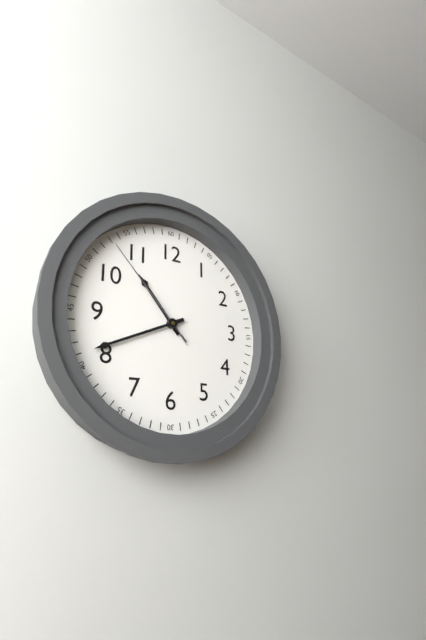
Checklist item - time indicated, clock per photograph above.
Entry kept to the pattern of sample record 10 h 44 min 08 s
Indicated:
10 h 41 min 53 s
